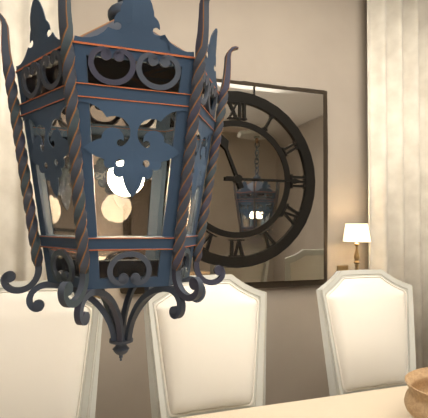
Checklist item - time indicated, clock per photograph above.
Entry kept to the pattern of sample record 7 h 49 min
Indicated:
11 h 15 min
